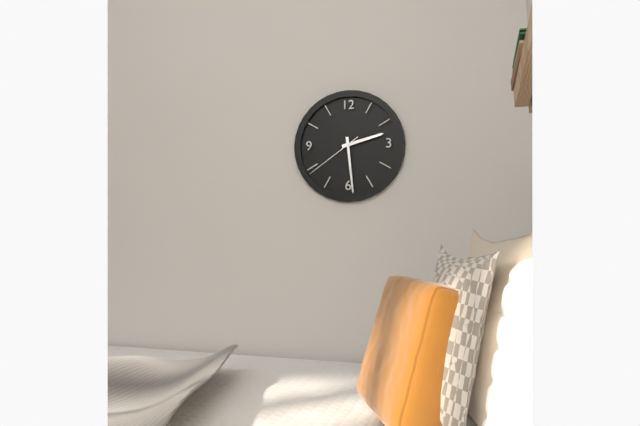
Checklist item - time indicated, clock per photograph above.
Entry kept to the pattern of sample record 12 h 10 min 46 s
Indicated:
2 h 29 min 39 s
